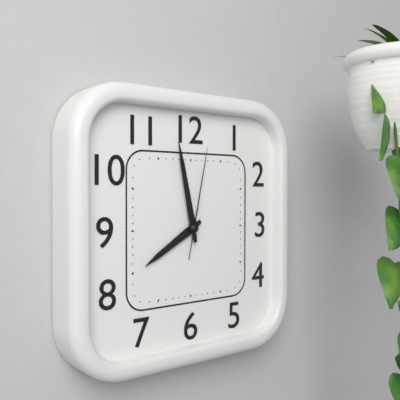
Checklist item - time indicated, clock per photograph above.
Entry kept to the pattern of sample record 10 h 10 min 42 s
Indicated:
7 h 58 min 02 s
